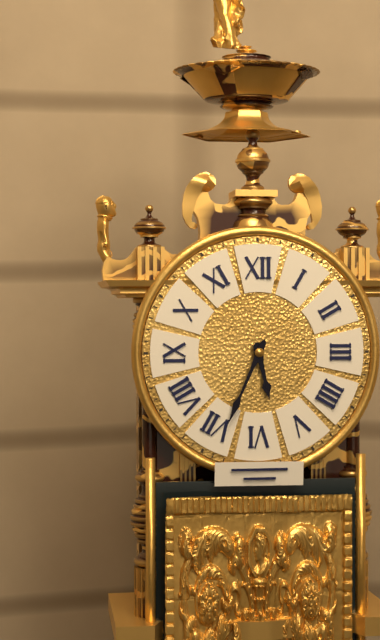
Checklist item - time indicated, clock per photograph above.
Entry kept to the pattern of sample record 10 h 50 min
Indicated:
5 h 34 min
